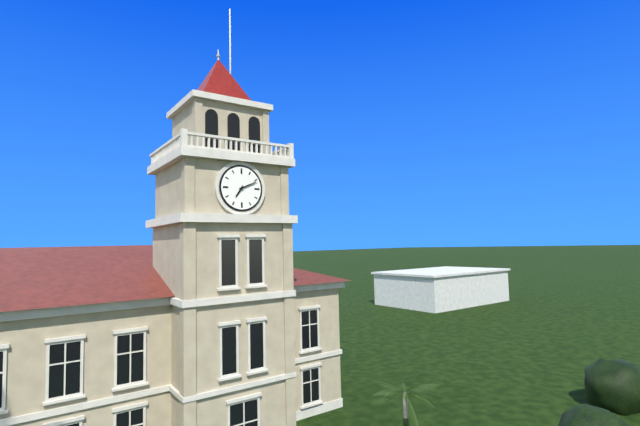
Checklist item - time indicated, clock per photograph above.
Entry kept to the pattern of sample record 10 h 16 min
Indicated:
7 h 11 min
